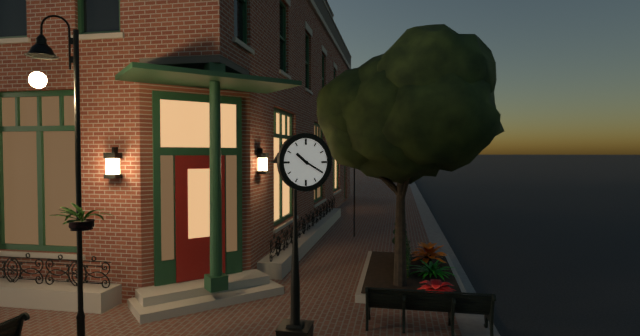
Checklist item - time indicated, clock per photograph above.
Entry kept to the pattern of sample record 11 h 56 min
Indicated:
10 h 20 min
